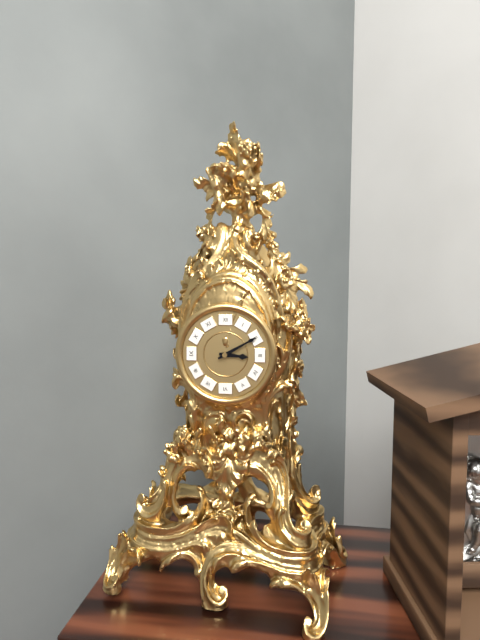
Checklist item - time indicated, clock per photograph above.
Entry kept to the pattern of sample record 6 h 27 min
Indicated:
3 h 10 min
